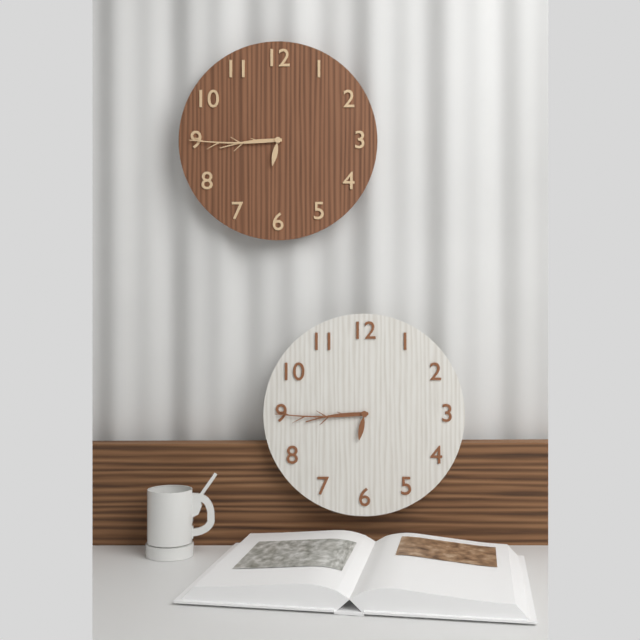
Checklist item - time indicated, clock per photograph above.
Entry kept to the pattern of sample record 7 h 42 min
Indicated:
8 h 45 min
